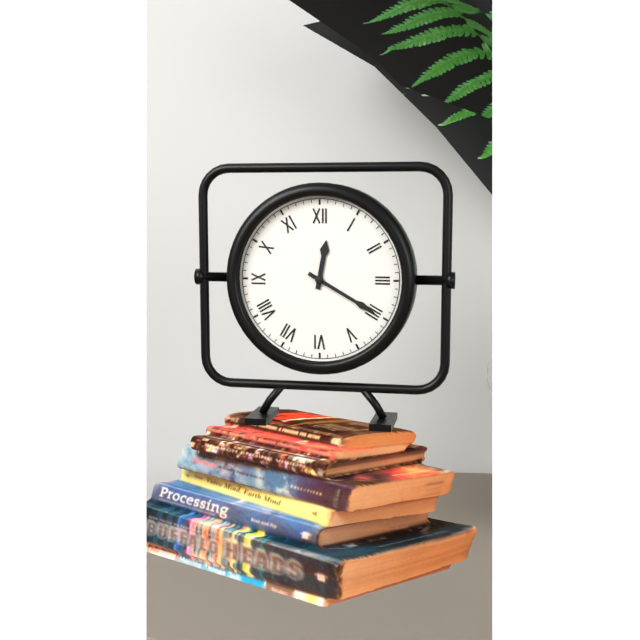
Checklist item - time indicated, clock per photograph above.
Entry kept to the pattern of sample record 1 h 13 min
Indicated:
12 h 20 min
